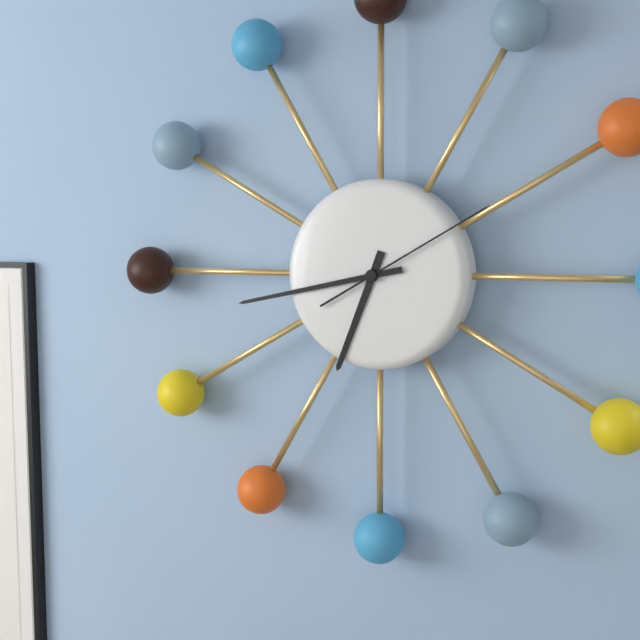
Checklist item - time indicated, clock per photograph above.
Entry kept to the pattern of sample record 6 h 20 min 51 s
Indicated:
6 h 43 min 10 s
